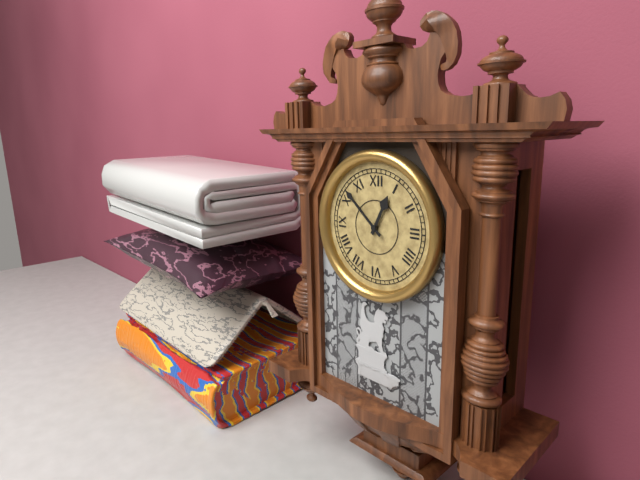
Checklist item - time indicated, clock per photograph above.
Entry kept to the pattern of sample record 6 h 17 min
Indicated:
12 h 52 min
